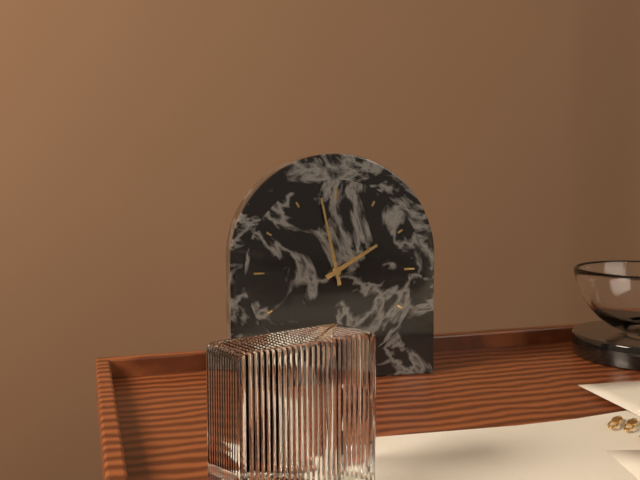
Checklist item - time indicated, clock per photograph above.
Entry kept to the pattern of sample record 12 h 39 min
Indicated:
1 h 58 min
